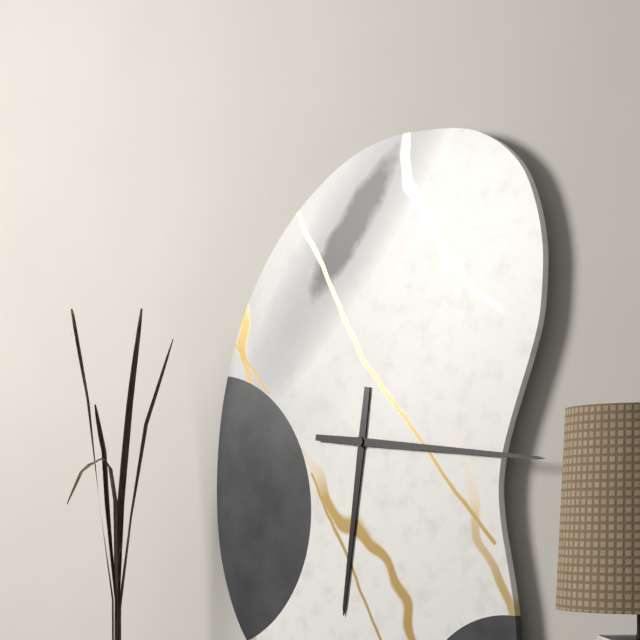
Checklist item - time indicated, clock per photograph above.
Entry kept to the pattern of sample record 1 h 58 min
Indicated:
6 h 16 min
